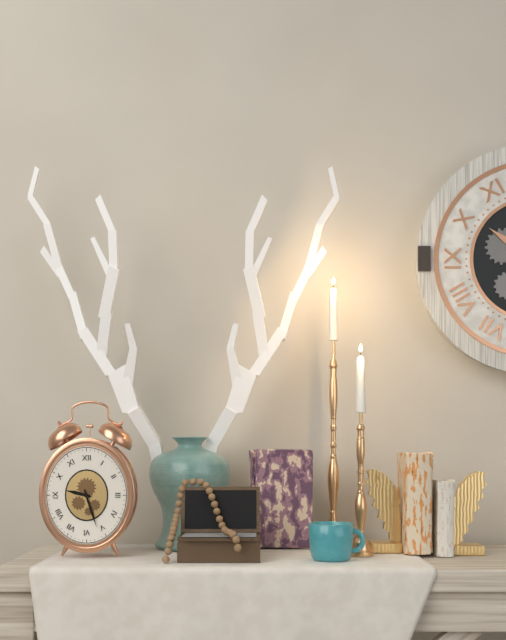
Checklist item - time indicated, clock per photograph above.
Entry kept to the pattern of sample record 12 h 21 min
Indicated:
9 h 27 min
